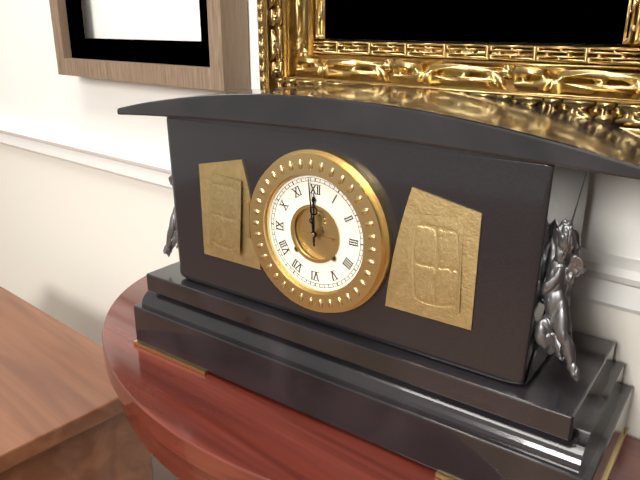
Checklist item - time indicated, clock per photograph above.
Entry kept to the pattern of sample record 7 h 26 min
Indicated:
11 h 59 min
